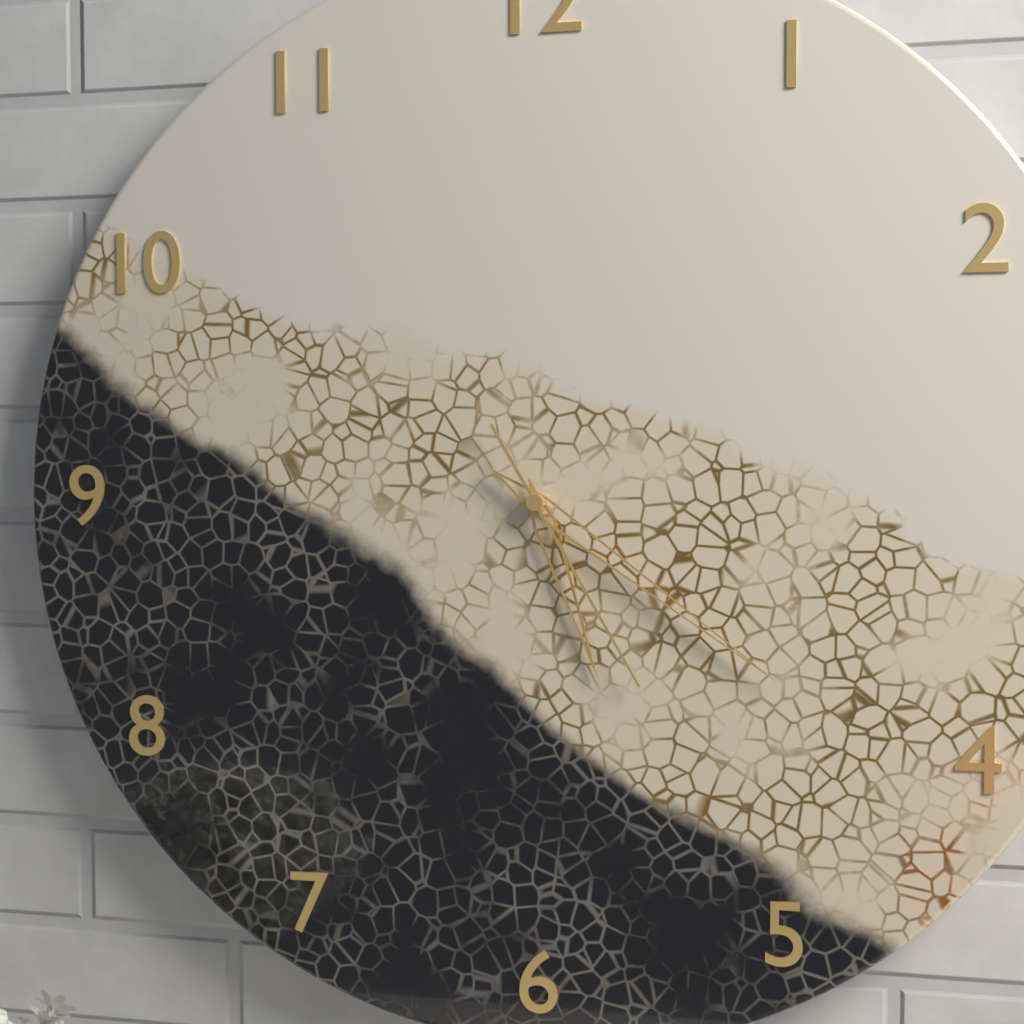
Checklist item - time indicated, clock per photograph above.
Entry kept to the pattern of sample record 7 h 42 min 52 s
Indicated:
5 h 21 min 25 s
